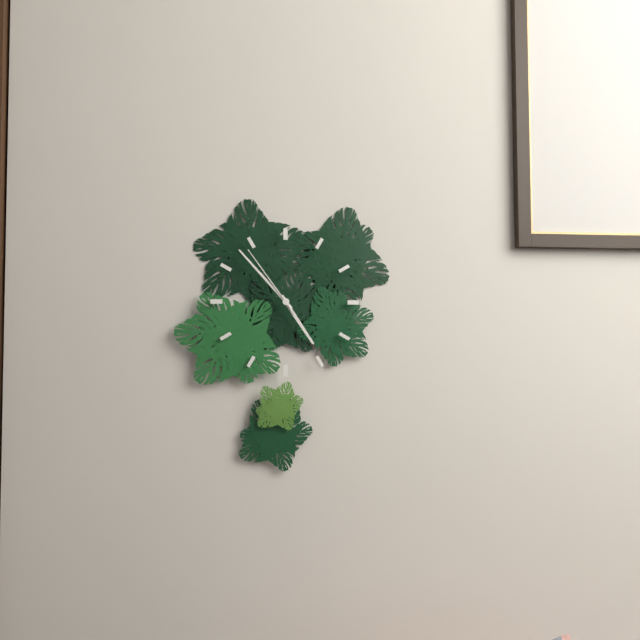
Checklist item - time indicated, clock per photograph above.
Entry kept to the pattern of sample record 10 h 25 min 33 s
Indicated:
4 h 53 min 54 s
